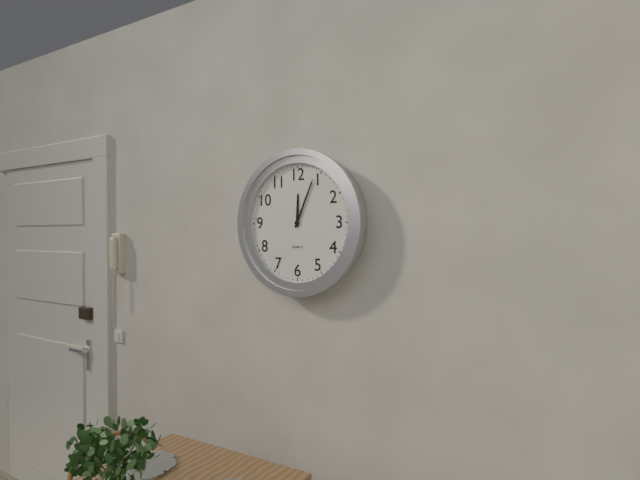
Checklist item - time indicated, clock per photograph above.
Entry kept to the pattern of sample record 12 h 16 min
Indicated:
12 h 04 min
